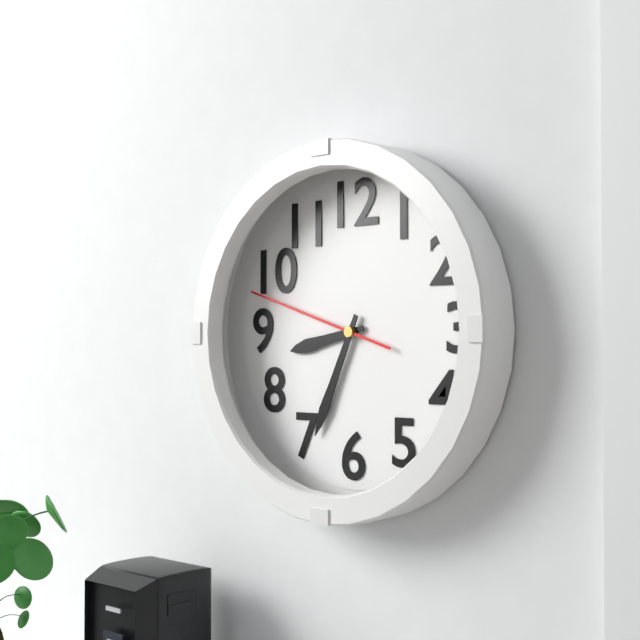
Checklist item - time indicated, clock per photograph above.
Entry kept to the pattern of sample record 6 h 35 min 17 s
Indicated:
8 h 34 min 48 s
